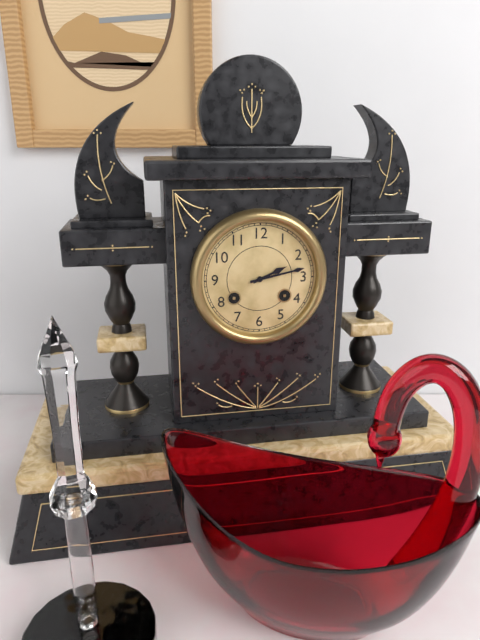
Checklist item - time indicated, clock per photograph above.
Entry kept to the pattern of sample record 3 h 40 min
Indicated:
2 h 13 min
